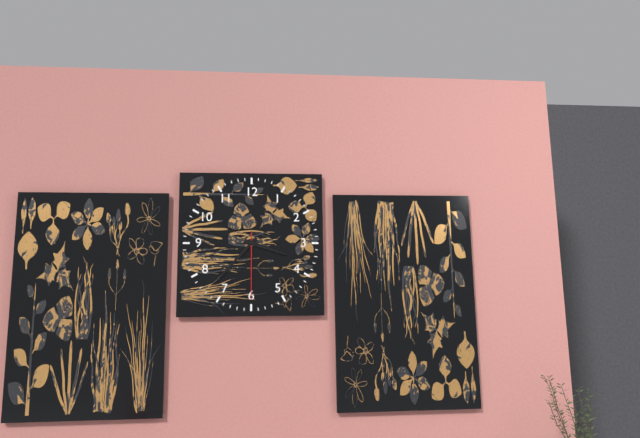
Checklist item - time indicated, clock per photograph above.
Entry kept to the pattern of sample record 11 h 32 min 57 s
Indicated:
3 h 37 min 30 s
